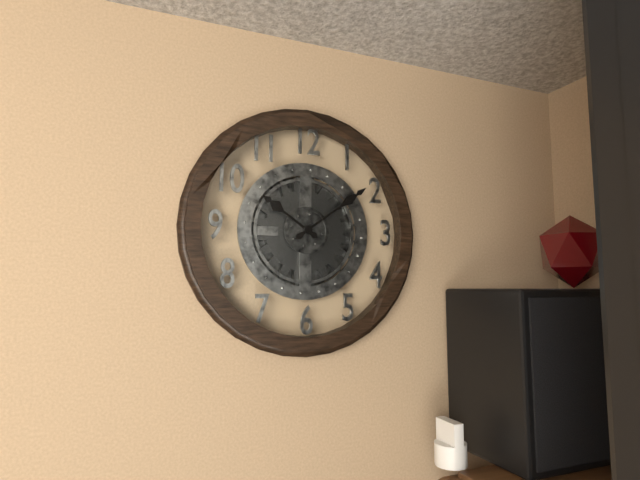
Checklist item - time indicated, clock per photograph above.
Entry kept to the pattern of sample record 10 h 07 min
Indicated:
10 h 09 min
